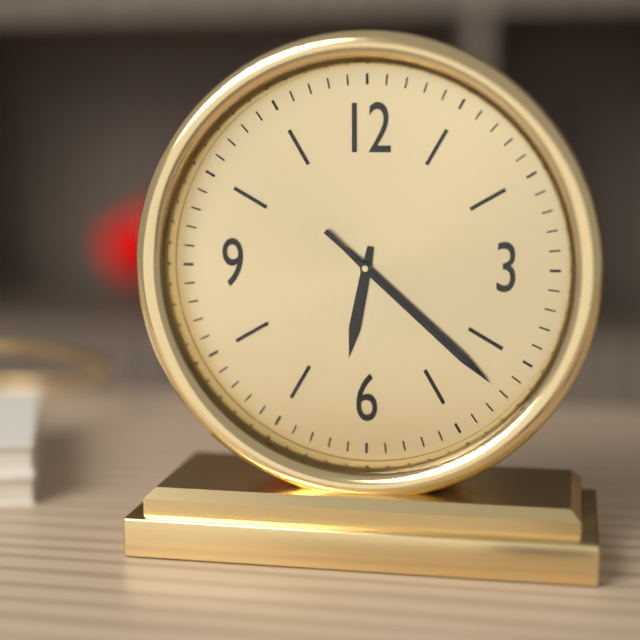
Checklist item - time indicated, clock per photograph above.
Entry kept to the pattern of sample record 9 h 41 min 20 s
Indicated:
6 h 22 min 22 s
